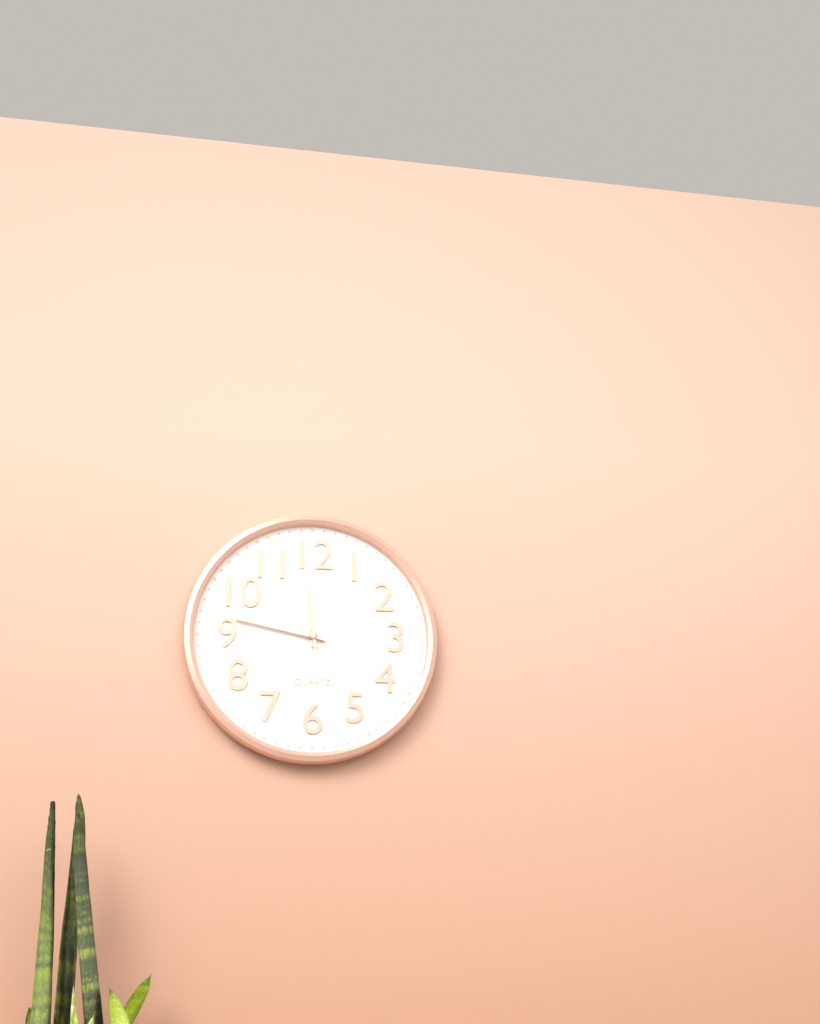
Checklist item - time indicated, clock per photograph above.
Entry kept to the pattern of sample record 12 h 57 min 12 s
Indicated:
11 h 47 min 59 s
